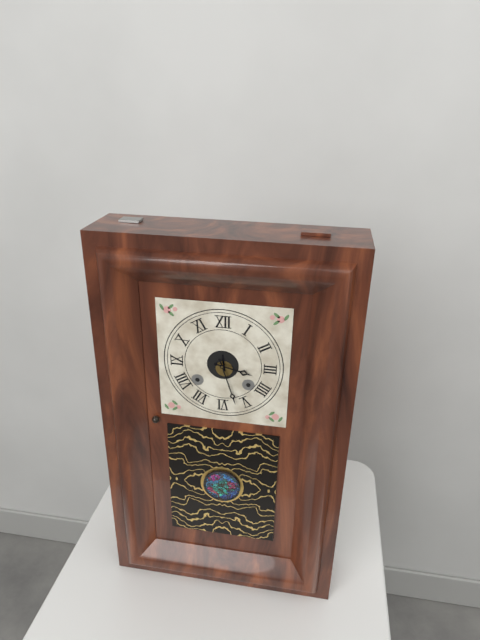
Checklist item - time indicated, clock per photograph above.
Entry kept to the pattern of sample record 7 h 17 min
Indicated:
3 h 27 min
